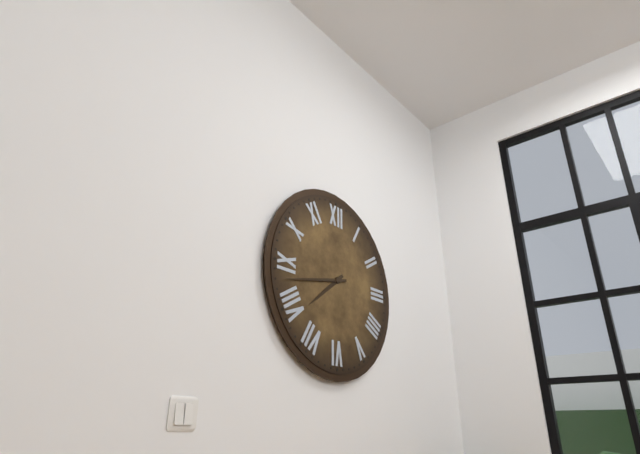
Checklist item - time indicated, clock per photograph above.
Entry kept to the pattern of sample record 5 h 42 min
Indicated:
7 h 43 min
